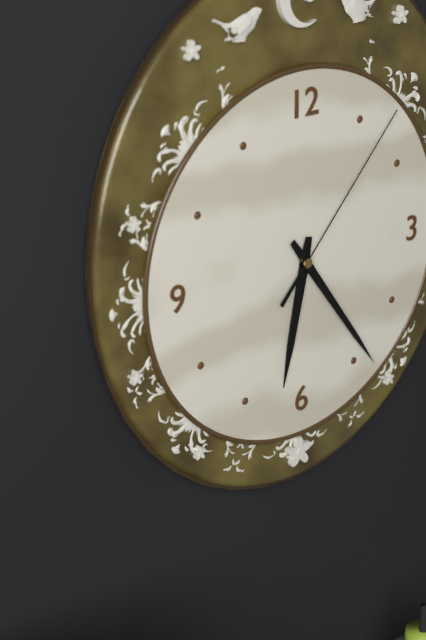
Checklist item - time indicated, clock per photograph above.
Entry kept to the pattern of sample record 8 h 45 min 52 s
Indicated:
6 h 24 min 07 s
